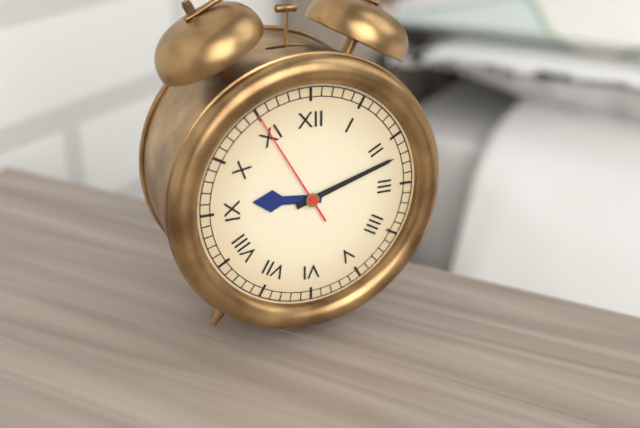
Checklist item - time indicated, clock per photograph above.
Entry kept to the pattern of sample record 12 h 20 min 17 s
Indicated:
9 h 12 min 55 s
